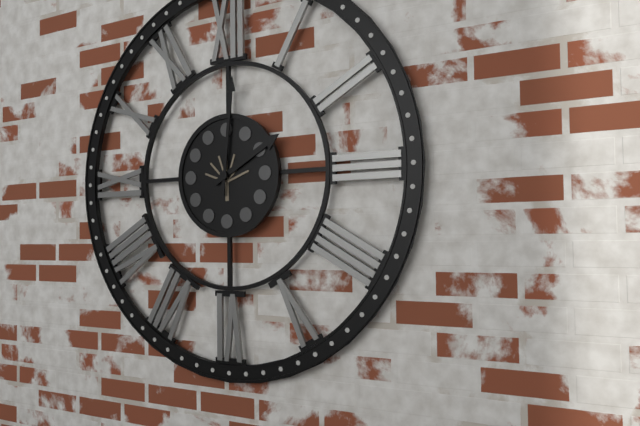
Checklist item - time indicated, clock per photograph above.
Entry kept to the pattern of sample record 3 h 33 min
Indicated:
2 h 01 min
